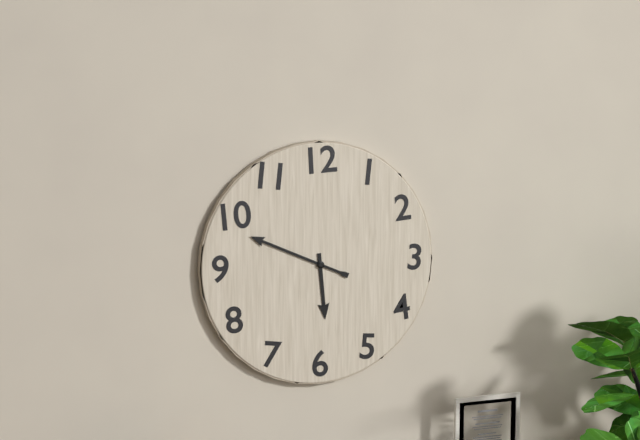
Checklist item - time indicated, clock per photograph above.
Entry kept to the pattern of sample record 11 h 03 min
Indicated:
5 h 49 min
